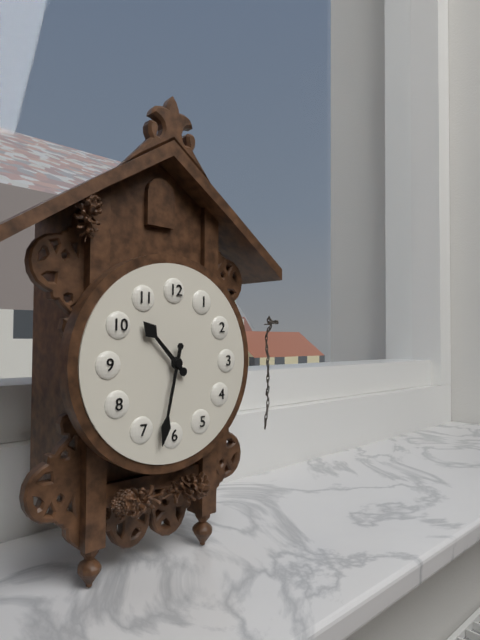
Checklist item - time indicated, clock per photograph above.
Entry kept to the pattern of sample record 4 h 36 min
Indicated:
10 h 32 min
